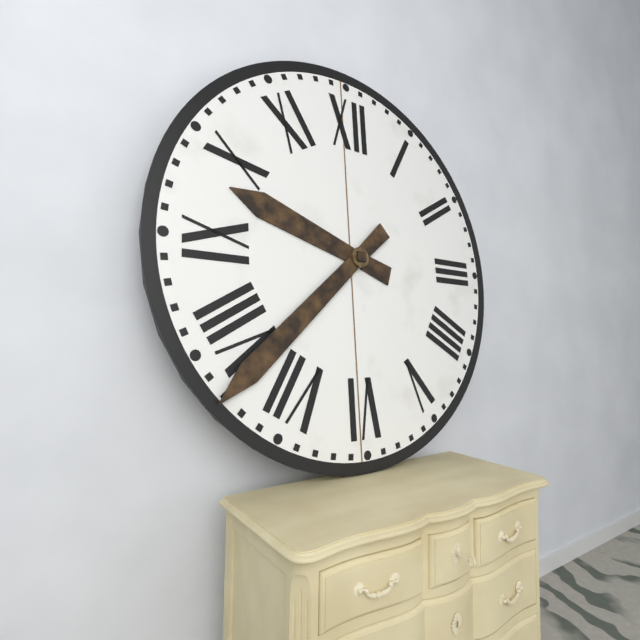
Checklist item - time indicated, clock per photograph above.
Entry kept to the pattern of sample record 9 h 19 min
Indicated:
9 h 38 min
